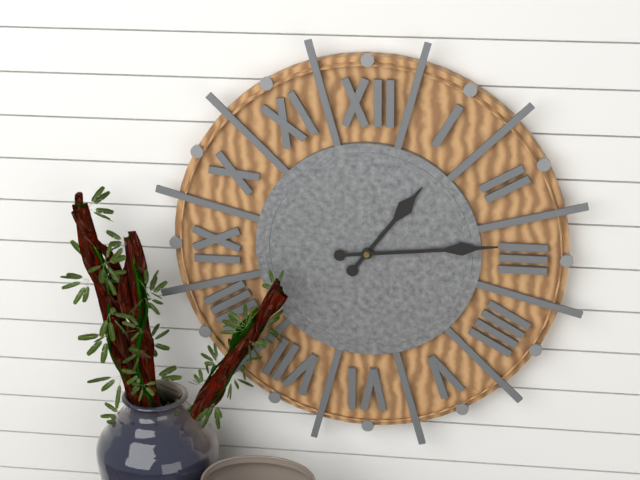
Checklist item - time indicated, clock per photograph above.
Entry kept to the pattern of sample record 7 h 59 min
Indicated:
1 h 14 min
